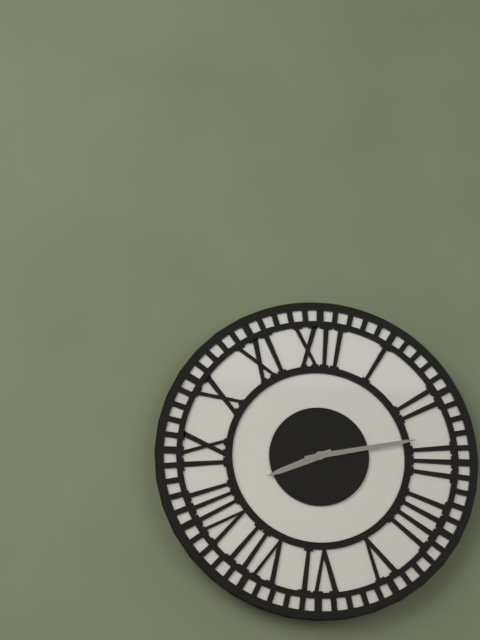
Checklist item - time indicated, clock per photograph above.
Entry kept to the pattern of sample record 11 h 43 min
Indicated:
8 h 13 min
